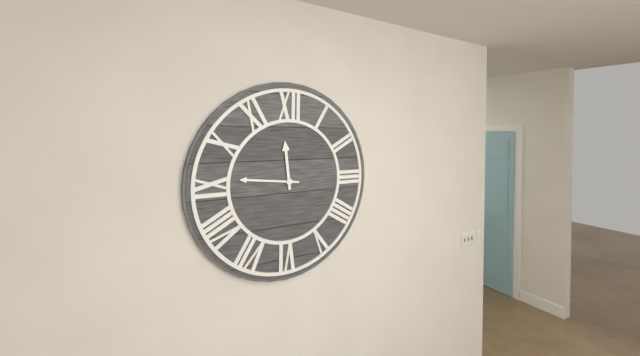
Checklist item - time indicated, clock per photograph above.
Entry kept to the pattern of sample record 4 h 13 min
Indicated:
11 h 46 min
